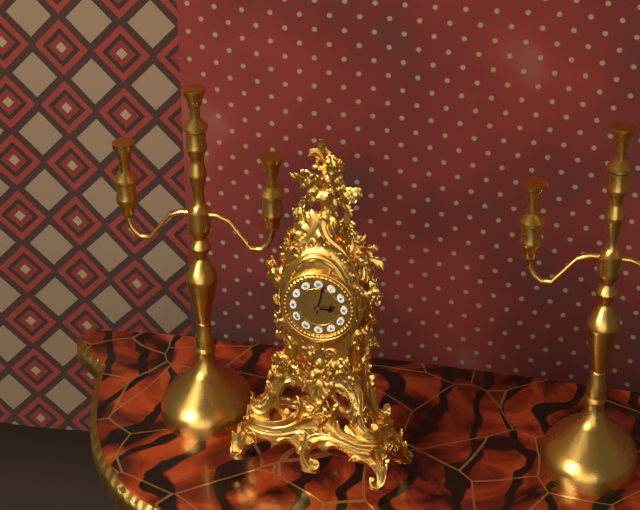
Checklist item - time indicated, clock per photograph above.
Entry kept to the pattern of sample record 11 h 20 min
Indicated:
3 h 02 min
